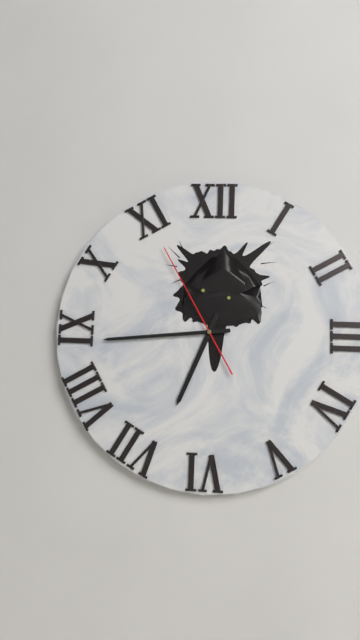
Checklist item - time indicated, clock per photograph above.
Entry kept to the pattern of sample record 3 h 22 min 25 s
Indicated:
6 h 44 min 55 s
